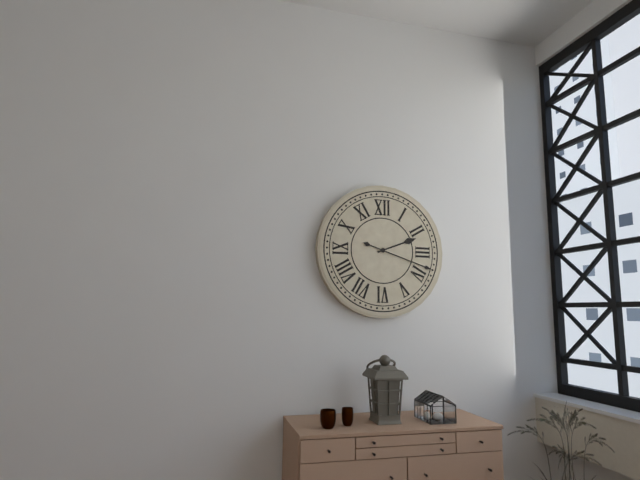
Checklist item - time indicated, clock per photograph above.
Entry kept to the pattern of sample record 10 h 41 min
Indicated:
2 h 18 min
